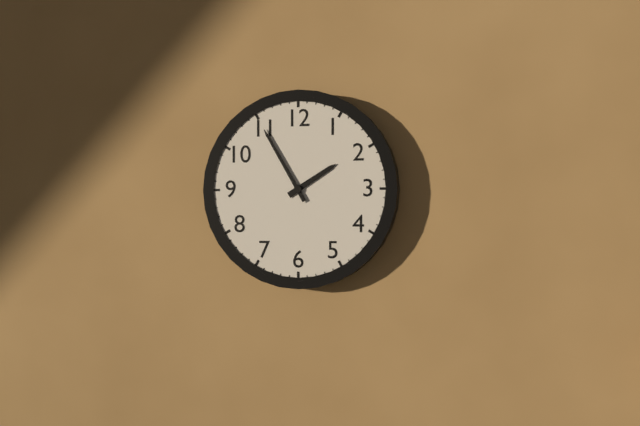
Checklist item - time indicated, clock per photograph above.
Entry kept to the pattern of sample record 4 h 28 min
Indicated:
1 h 55 min
